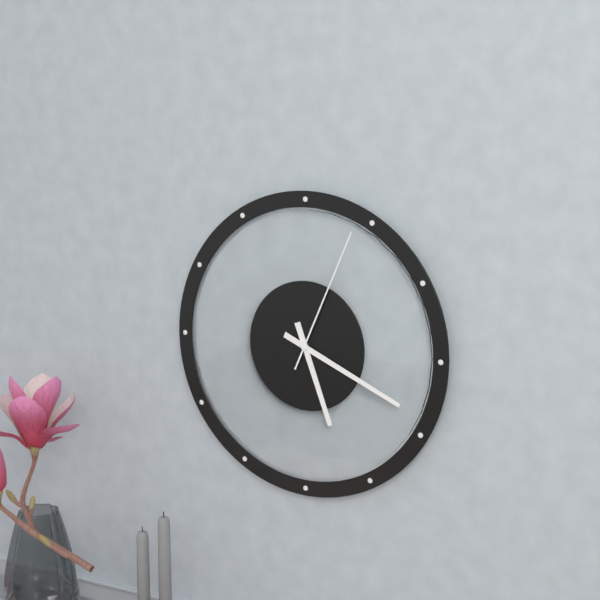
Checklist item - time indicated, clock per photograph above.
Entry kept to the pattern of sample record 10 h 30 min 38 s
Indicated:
5 h 19 min 04 s
